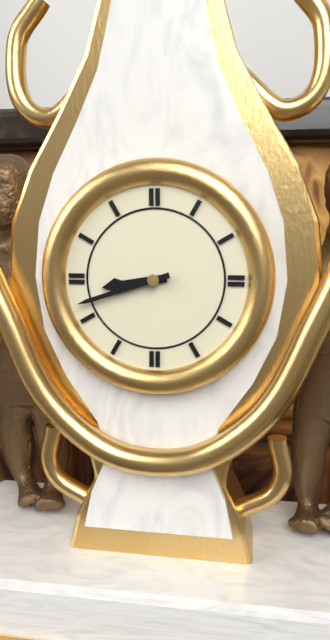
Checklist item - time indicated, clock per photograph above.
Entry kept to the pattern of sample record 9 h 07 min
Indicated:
8 h 42 min
